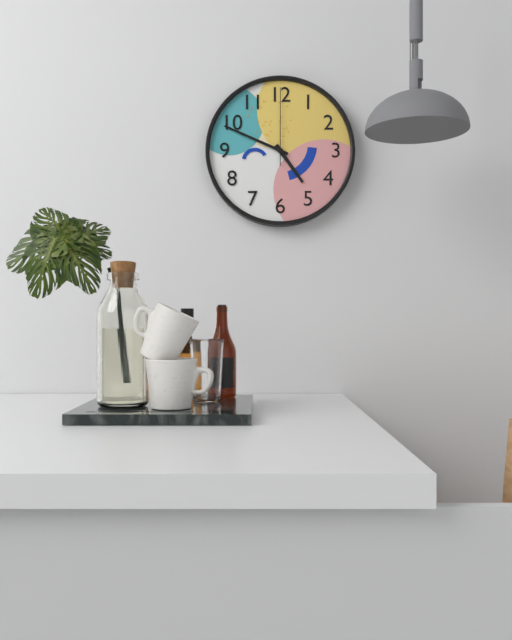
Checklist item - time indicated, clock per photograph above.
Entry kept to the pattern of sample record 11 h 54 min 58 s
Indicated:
4 h 49 min 00 s
